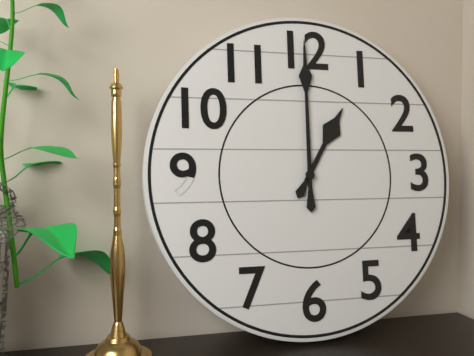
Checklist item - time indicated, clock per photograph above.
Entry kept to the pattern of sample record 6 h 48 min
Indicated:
1 h 00 min
